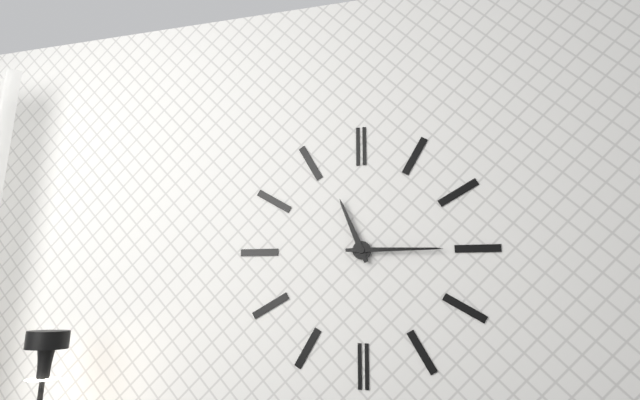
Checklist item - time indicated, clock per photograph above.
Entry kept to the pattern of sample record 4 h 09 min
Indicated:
11 h 15 min
